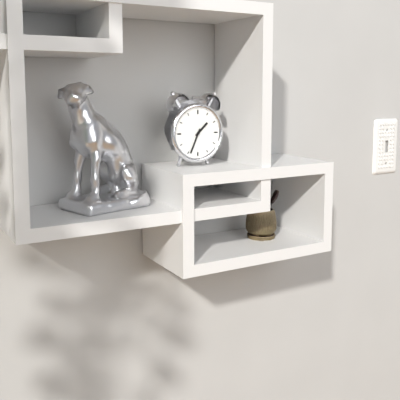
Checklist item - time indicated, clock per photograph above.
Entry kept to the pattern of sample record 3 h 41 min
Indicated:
1 h 34 min
